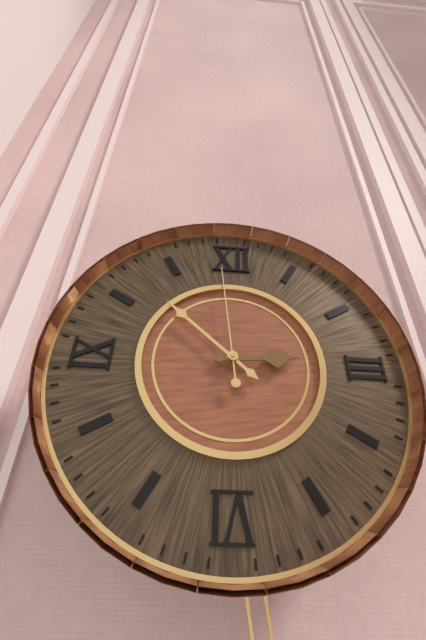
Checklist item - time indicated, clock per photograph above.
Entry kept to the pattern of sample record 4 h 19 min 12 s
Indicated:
2 h 52 min 59 s
